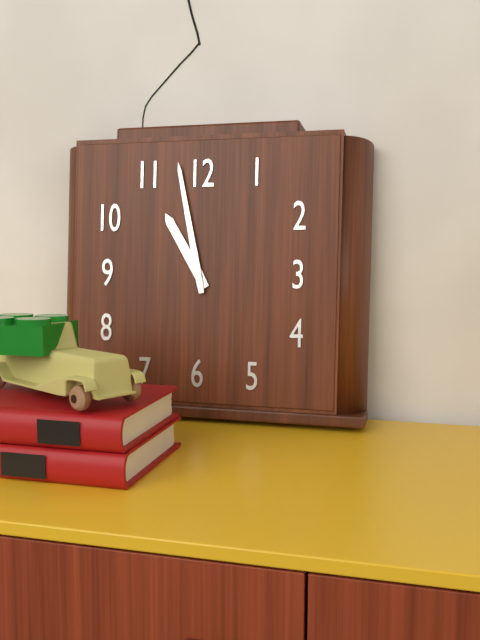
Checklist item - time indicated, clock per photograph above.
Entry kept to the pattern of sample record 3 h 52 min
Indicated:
10 h 58 min
